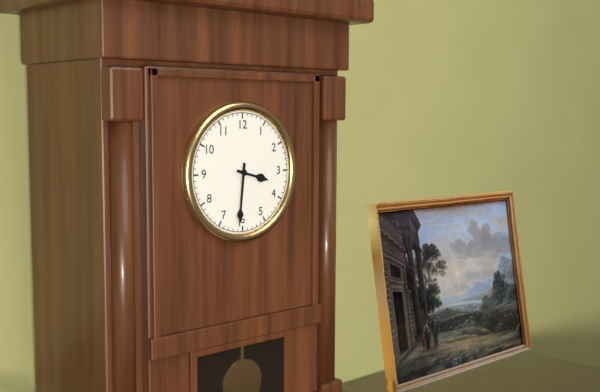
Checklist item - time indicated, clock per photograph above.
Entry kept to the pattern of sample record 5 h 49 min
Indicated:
3 h 31 min
